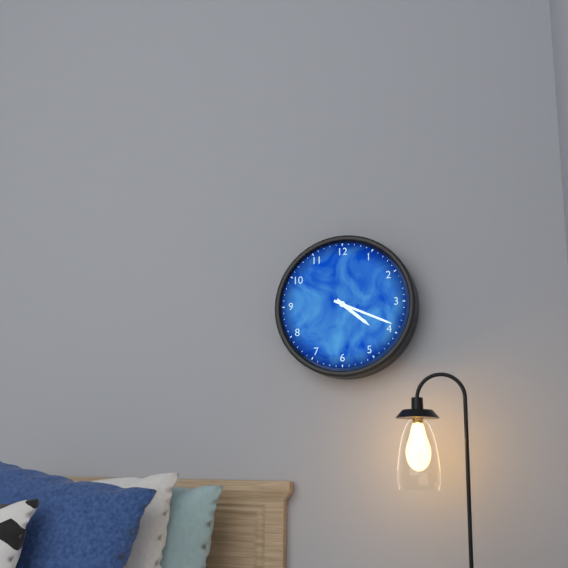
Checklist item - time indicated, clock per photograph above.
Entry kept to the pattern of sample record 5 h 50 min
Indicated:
4 h 19 min
